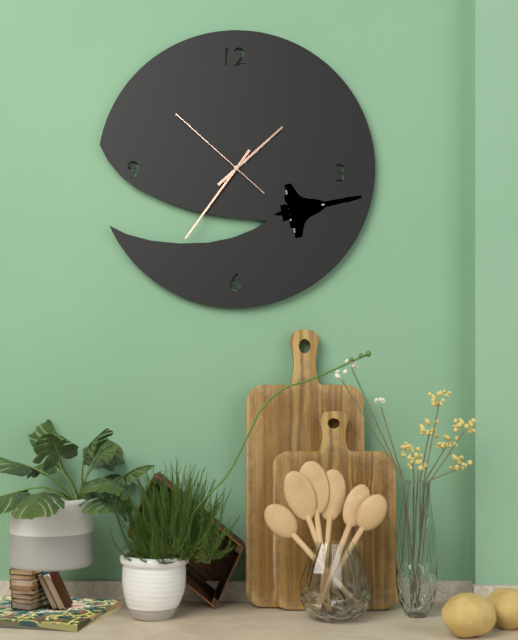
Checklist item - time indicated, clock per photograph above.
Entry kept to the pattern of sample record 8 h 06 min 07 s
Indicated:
1 h 36 min 52 s
